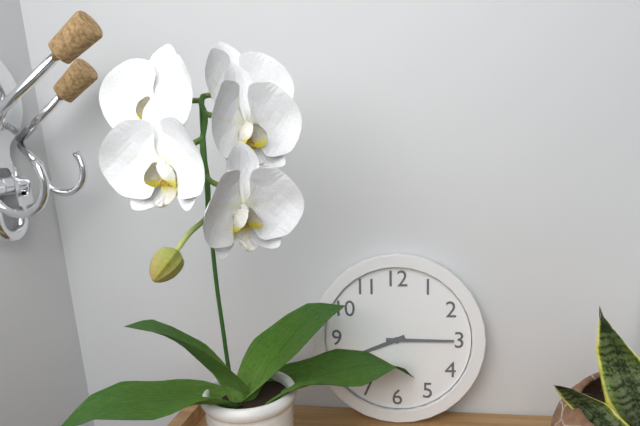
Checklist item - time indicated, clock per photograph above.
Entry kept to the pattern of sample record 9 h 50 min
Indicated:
8 h 15 min
